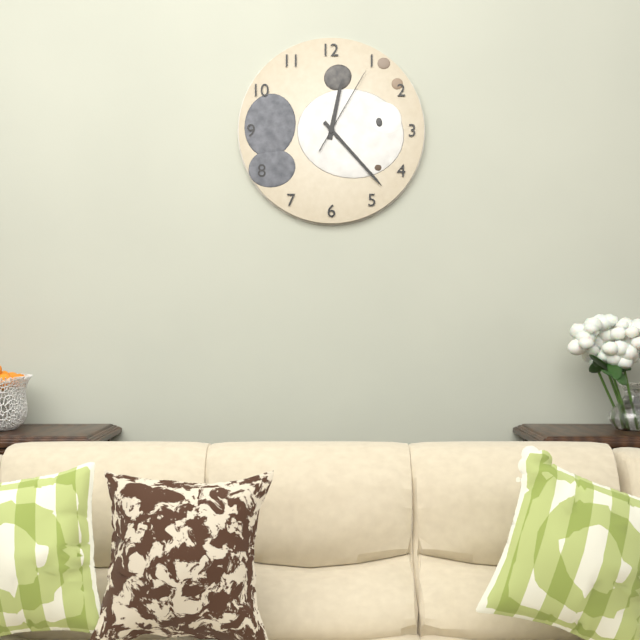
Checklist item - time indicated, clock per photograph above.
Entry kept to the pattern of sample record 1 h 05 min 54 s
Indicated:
12 h 23 min 05 s
